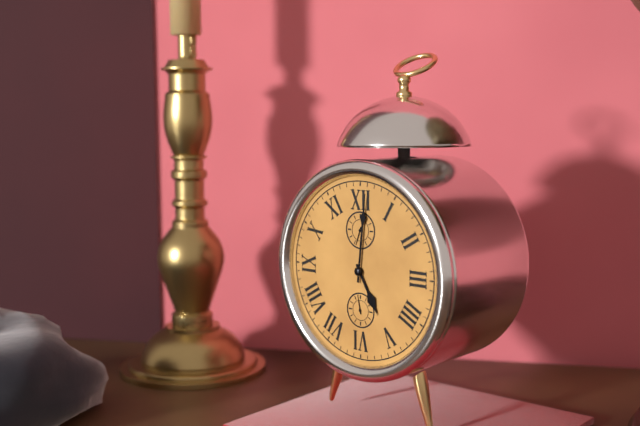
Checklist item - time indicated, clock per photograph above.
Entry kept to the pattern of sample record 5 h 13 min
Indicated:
5 h 01 min
